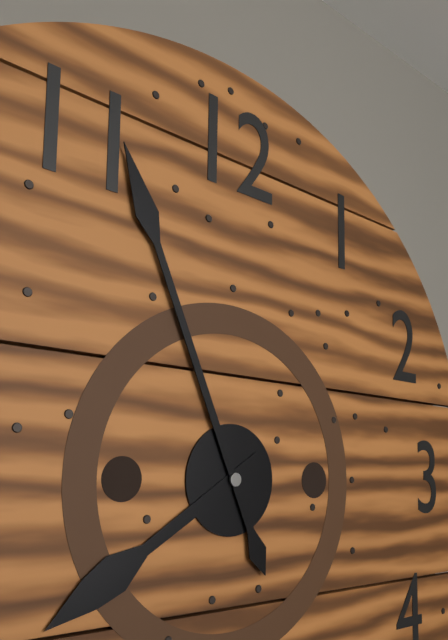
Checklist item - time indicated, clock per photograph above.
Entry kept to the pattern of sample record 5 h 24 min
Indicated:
7 h 56 min
